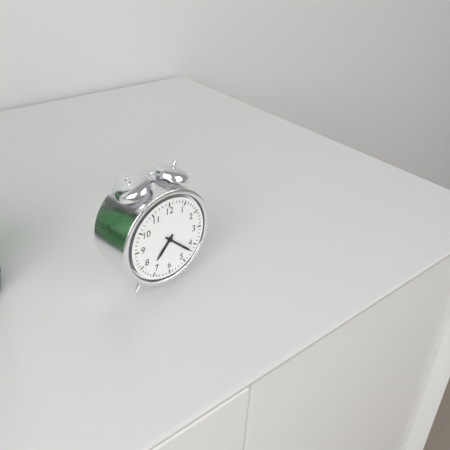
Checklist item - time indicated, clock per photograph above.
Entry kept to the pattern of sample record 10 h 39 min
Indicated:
7 h 22 min
